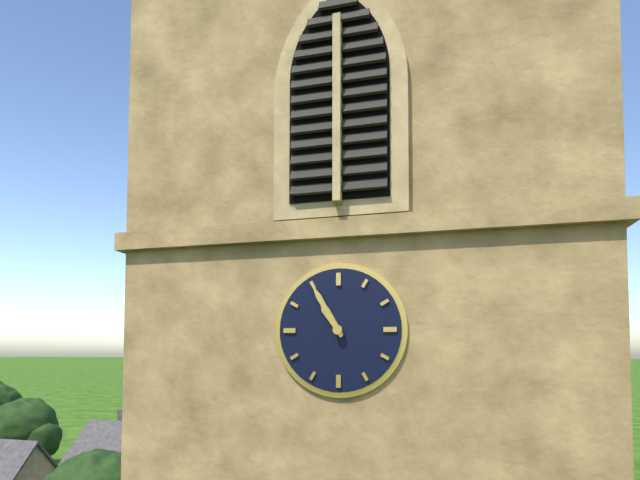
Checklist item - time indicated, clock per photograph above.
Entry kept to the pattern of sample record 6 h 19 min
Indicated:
10 h 55 min
